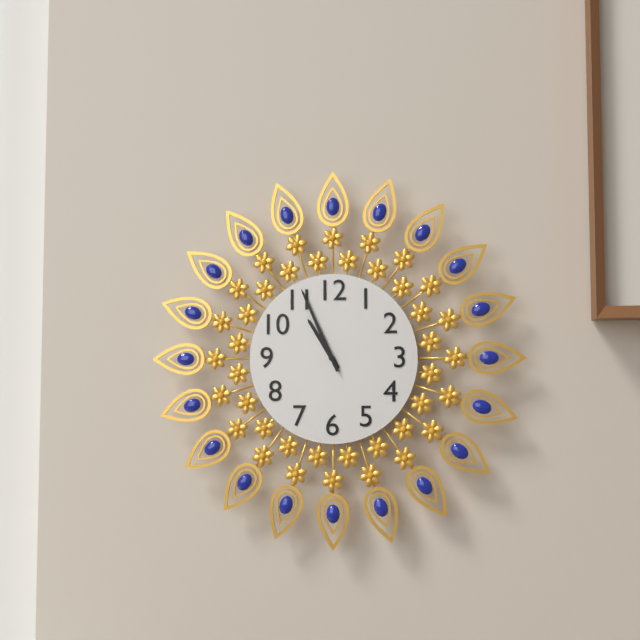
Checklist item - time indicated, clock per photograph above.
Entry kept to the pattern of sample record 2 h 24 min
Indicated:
10 h 56 min
